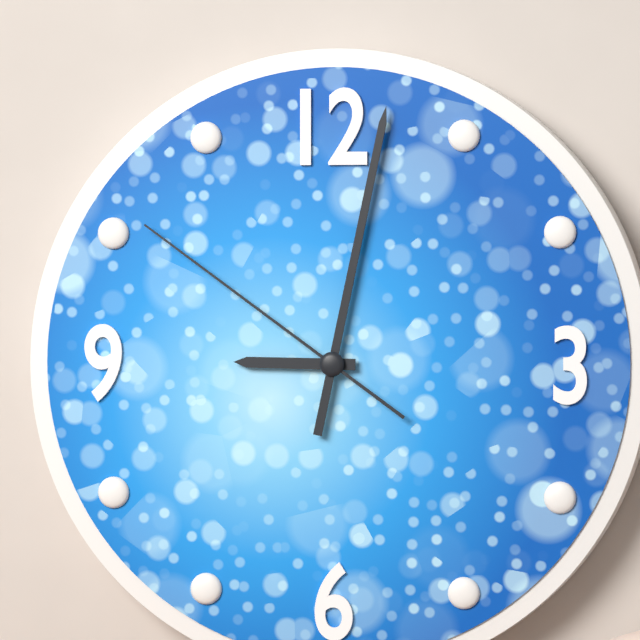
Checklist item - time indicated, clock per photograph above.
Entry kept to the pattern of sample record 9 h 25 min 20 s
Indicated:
9 h 02 min 51 s
